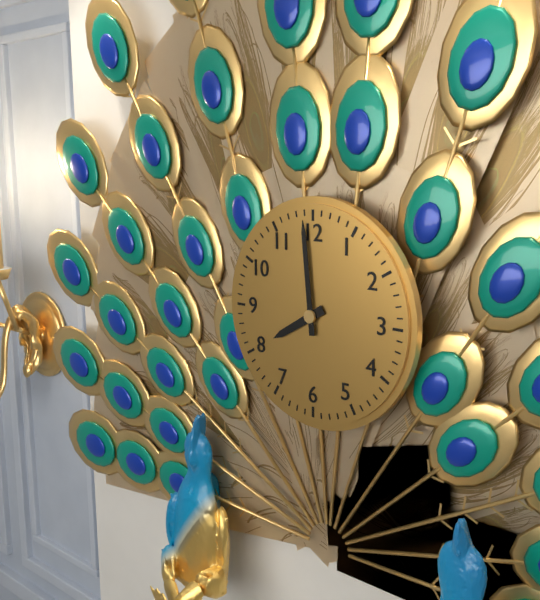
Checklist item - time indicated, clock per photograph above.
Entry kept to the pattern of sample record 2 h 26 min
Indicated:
7 h 59 min
